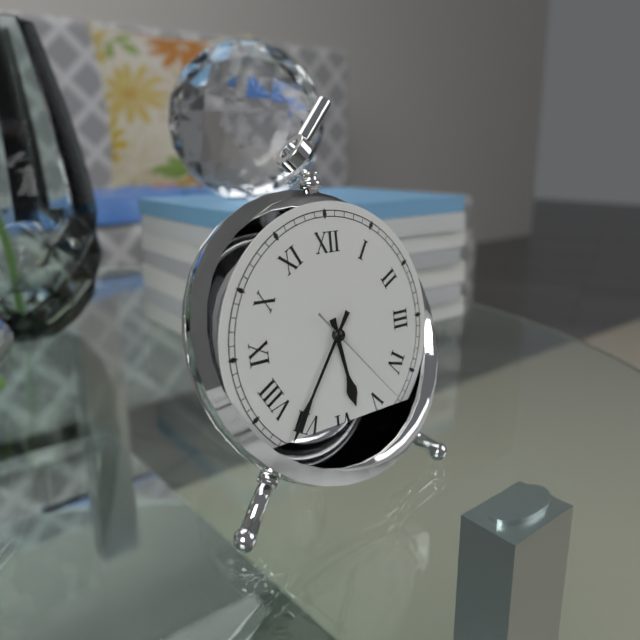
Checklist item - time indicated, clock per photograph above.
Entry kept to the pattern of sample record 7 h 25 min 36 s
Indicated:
5 h 36 min 23 s
